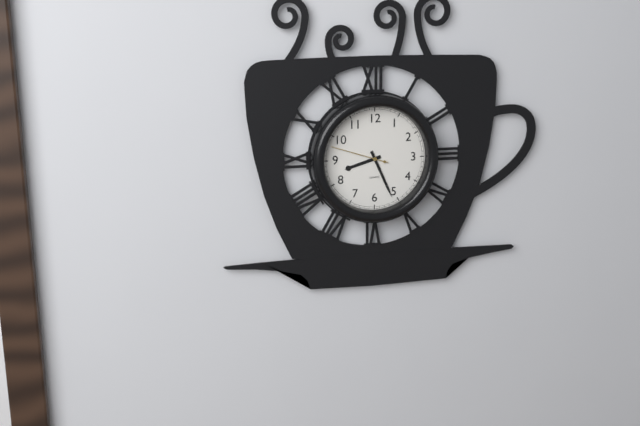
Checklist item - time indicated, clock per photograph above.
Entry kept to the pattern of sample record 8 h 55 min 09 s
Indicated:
8 h 26 min 48 s
